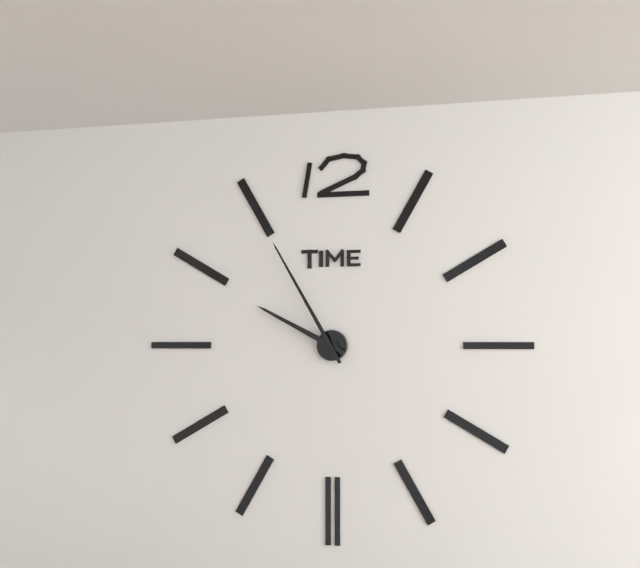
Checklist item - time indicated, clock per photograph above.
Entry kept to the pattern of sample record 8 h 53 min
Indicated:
9 h 55 min
